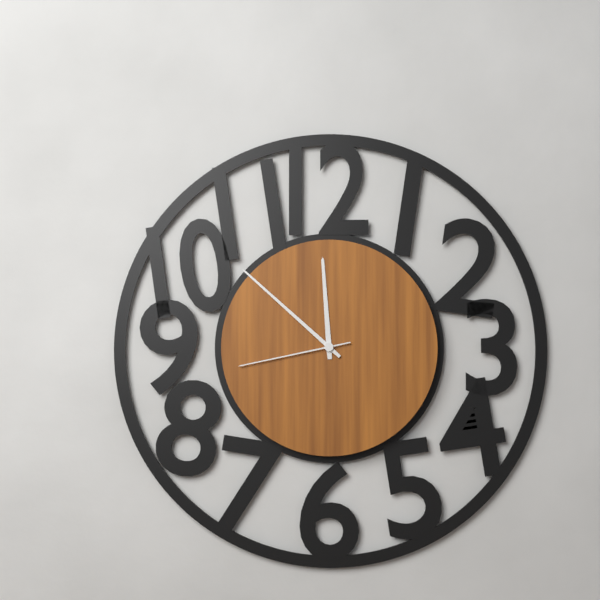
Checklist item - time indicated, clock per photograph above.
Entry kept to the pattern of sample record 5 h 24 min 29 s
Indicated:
11 h 52 min 43 s
